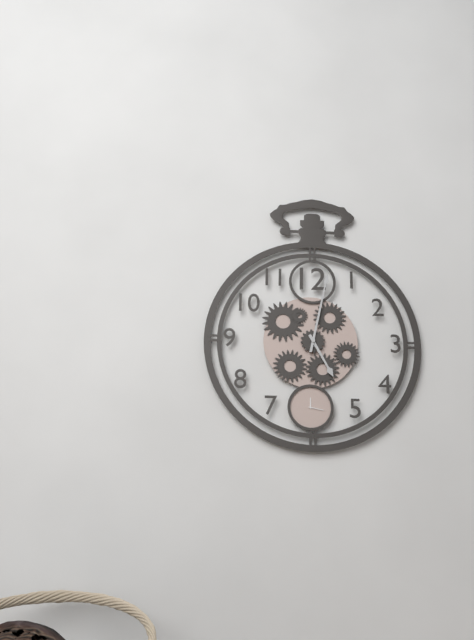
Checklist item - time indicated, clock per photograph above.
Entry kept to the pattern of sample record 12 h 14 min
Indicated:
5 h 02 min
